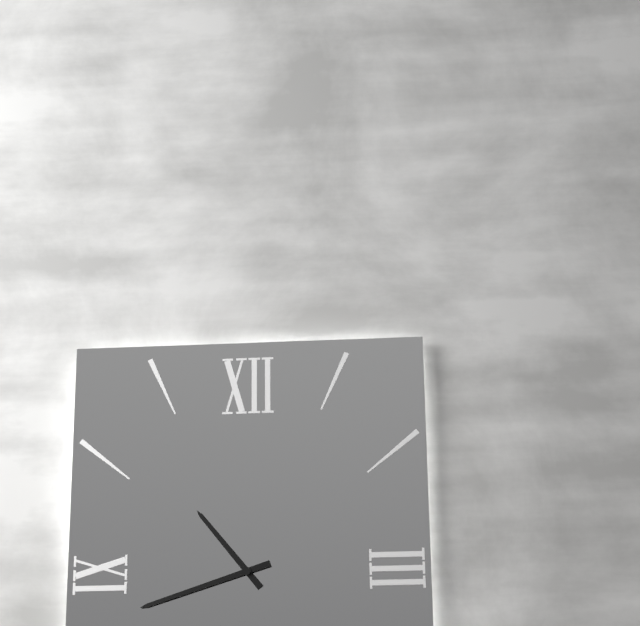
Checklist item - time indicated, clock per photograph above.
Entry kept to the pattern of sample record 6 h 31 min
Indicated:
10 h 42 min
